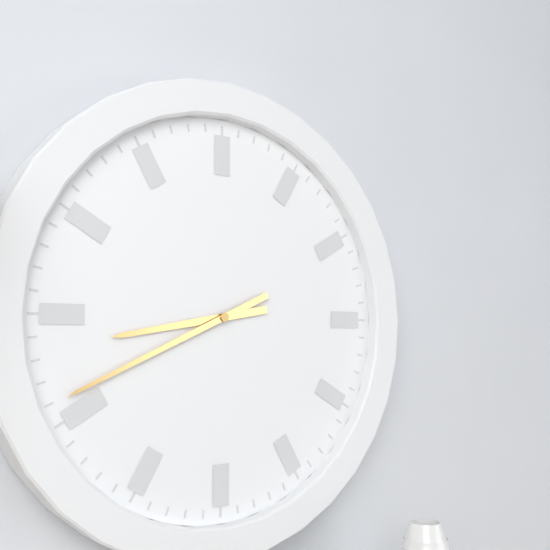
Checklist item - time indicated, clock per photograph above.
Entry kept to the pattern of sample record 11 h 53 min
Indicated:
8 h 41 min
